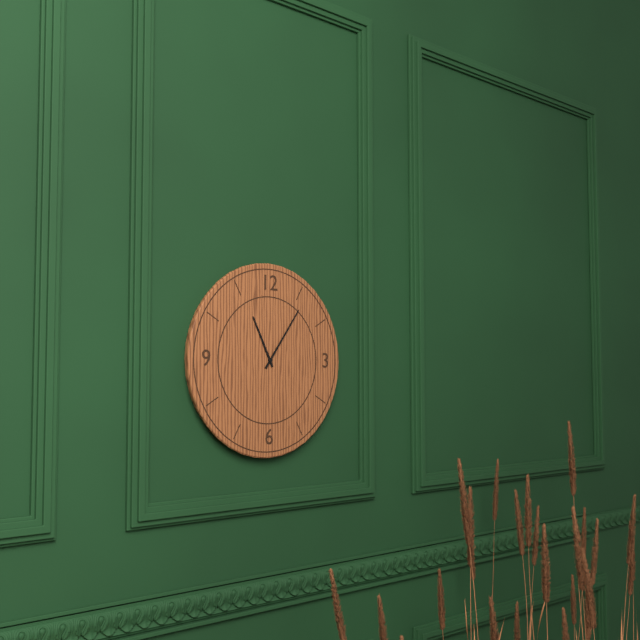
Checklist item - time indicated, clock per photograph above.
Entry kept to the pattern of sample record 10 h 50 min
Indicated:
11 h 06 min
